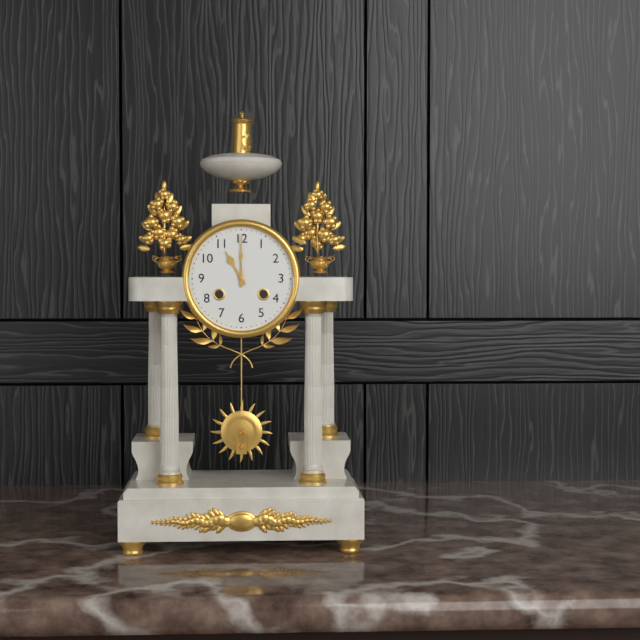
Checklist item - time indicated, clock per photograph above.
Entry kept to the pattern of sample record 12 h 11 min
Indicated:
11 h 00 min
